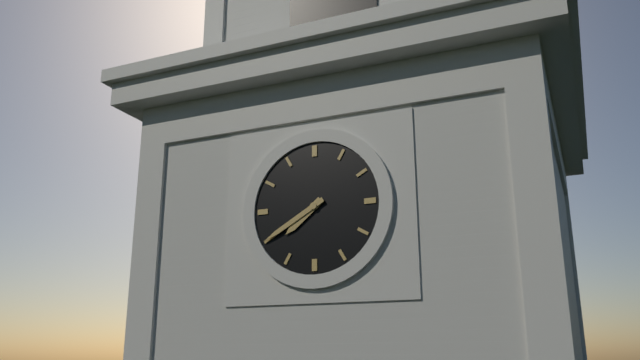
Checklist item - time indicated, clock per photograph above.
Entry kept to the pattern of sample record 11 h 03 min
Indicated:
7 h 40 min
